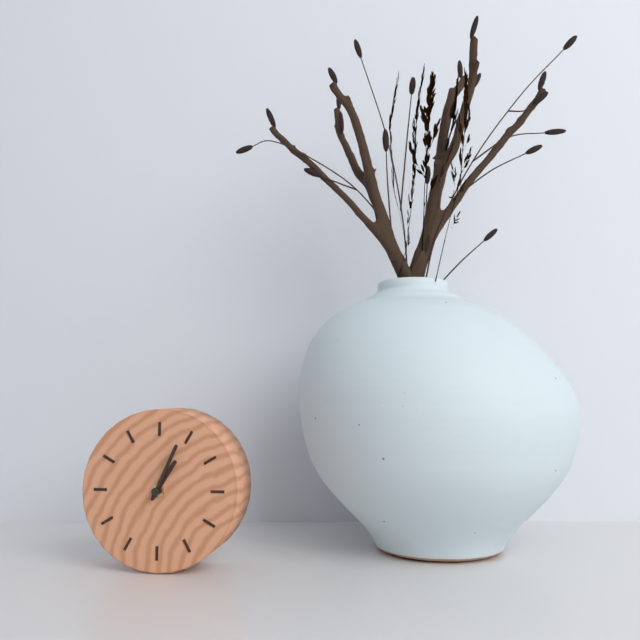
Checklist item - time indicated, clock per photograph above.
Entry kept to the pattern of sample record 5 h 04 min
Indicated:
1 h 04 min
